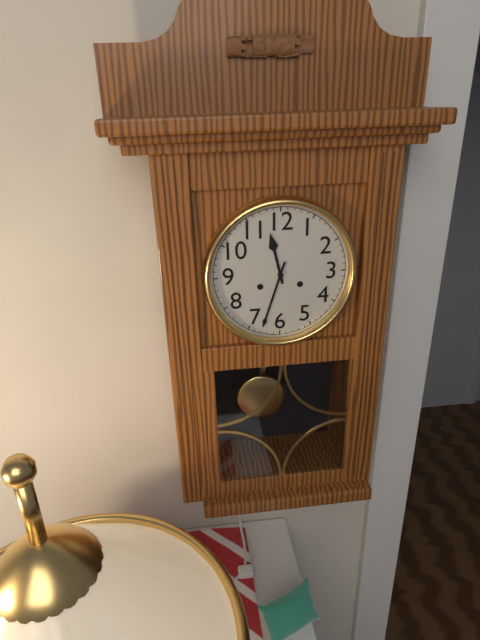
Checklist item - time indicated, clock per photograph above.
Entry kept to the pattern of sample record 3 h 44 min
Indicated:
11 h 33 min
